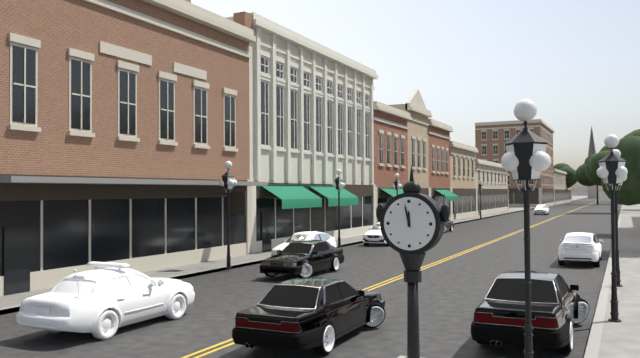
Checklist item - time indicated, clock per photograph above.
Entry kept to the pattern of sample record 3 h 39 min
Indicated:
11 h 58 min
